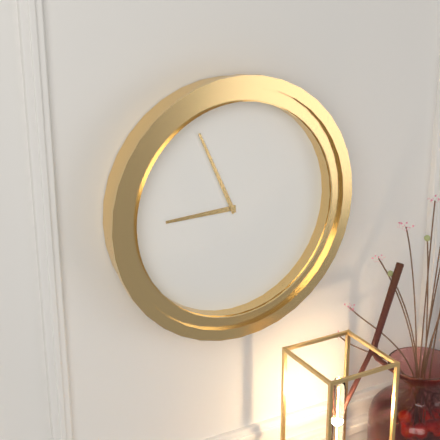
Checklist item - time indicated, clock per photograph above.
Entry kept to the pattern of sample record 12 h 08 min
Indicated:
8 h 56 min
